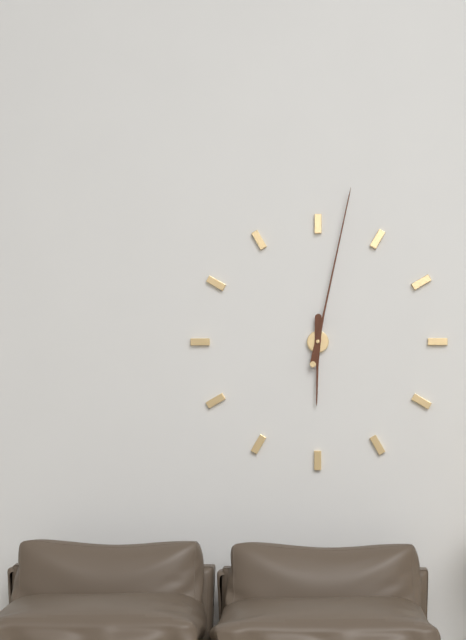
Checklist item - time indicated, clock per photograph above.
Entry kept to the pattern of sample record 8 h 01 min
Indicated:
6 h 02 min
